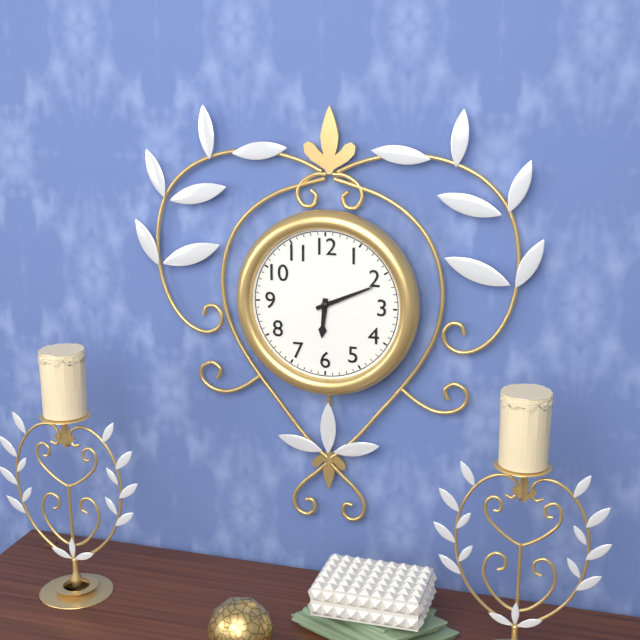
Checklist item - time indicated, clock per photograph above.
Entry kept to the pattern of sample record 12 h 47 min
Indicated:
6 h 11 min
